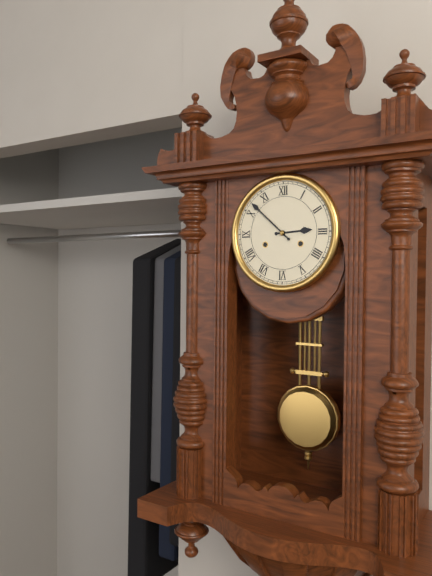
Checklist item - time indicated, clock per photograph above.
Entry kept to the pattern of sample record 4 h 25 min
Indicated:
2 h 52 min
